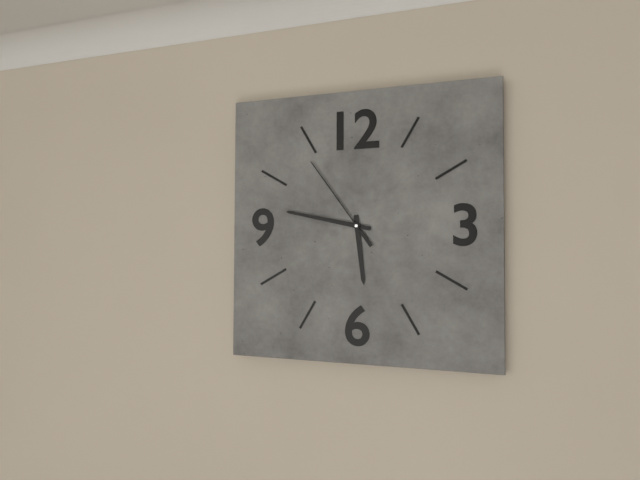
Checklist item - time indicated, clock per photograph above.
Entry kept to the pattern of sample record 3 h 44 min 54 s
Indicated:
5 h 47 min 54 s
